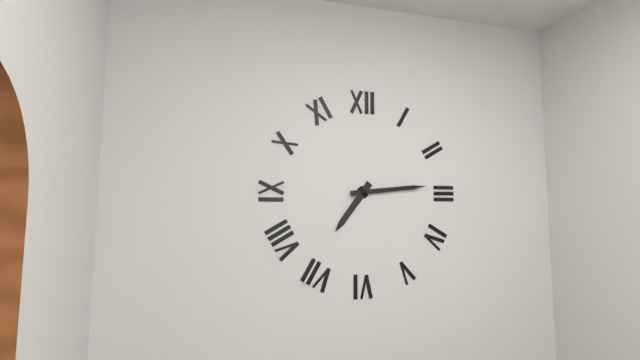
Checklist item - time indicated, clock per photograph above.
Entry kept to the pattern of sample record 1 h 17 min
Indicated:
7 h 14 min
